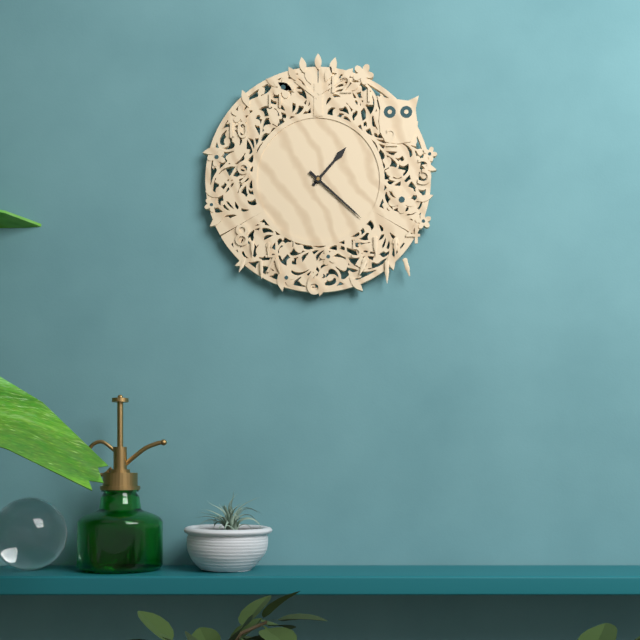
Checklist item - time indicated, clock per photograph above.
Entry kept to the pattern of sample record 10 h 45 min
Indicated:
1 h 22 min
